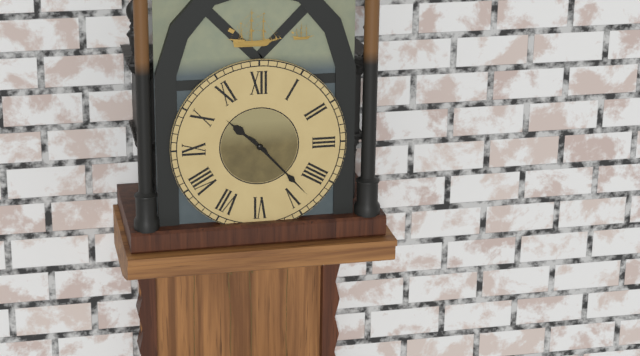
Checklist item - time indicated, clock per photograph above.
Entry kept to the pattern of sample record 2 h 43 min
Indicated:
10 h 23 min
